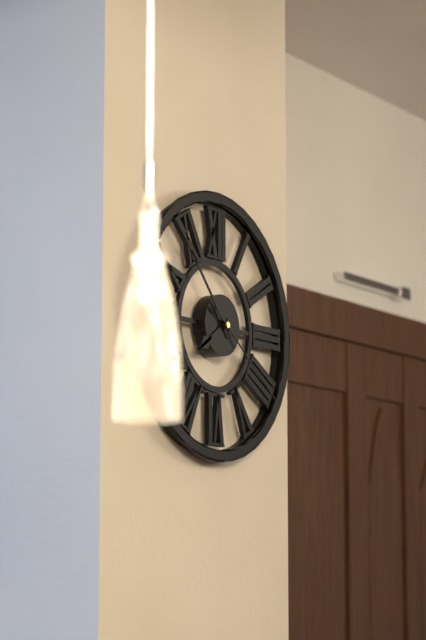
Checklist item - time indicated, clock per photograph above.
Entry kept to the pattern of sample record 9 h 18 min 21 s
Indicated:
7 h 53 min 21 s
